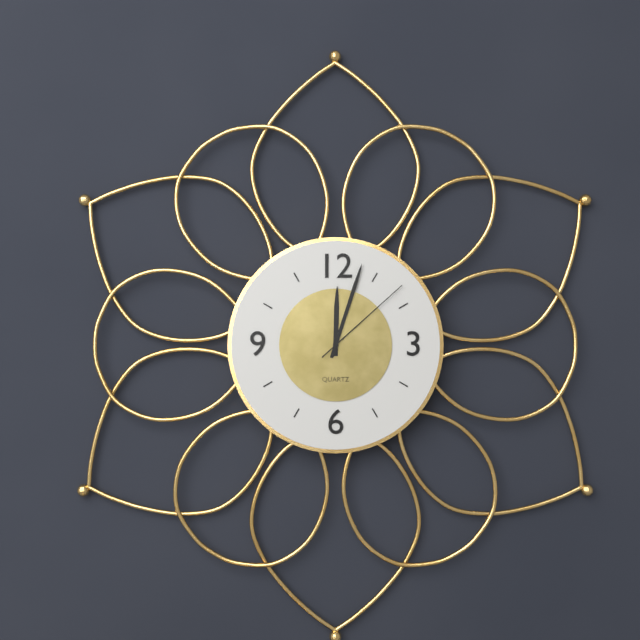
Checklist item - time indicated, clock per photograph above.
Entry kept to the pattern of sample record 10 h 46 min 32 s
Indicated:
12 h 03 min 08 s
